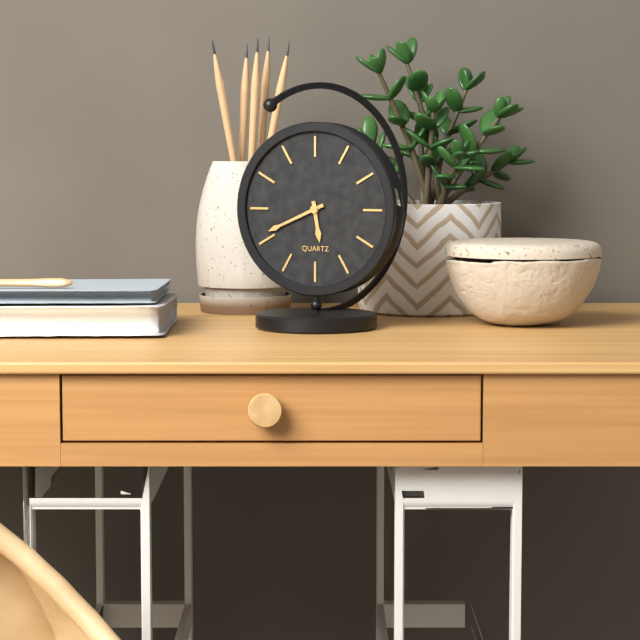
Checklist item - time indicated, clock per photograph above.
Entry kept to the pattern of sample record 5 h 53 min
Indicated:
5 h 41 min
